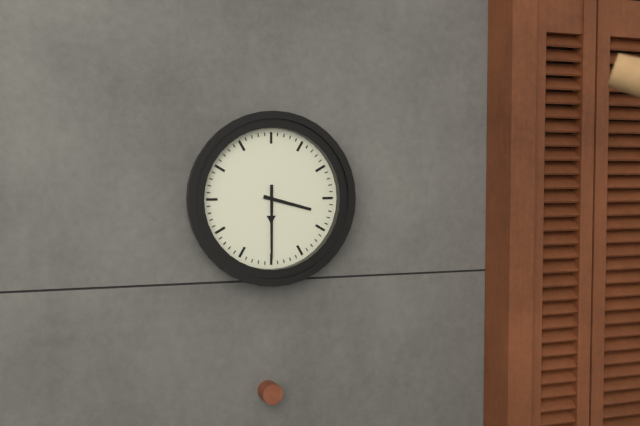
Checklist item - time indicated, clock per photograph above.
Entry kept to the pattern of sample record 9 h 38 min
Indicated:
3 h 30 min
